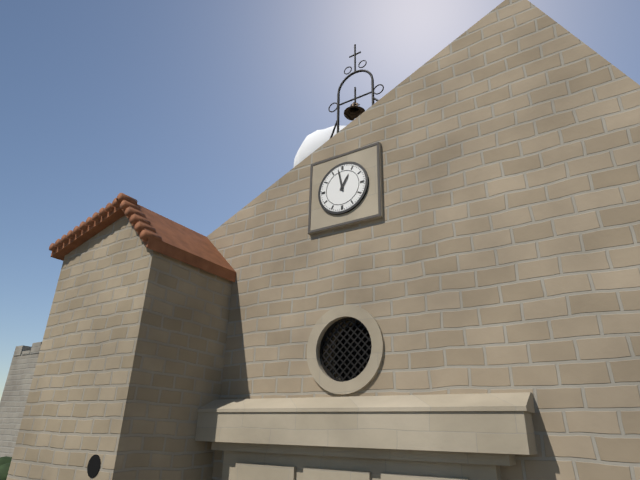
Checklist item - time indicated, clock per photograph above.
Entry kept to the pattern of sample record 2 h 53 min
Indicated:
12 h 58 min
